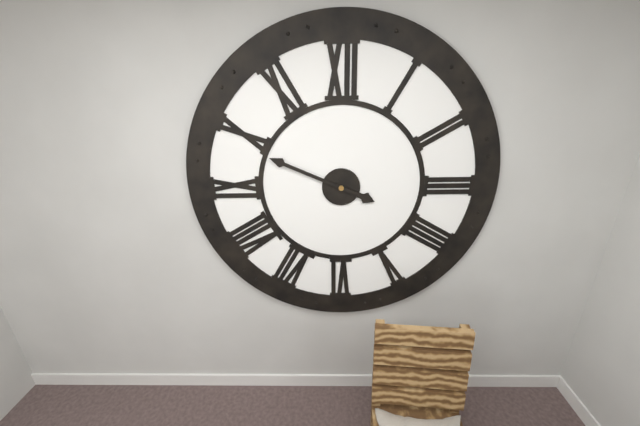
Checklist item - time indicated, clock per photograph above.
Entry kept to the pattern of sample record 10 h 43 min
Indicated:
3 h 49 min
